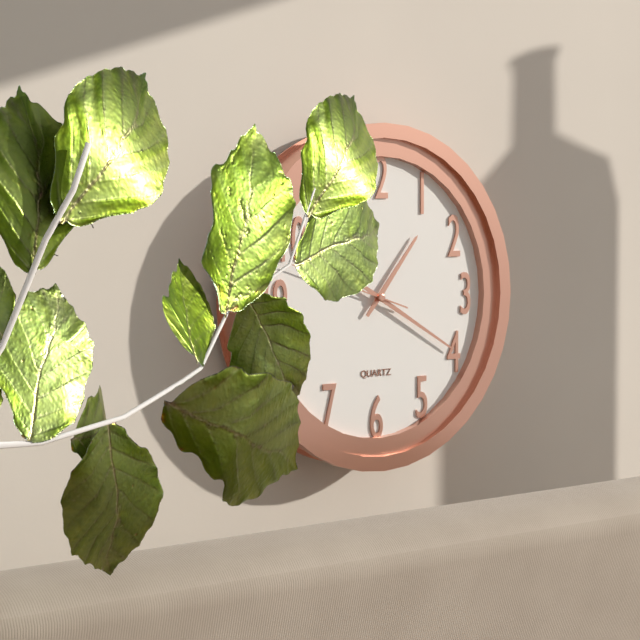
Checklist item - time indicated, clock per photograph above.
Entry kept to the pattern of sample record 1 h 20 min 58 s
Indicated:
1 h 20 min 48 s
